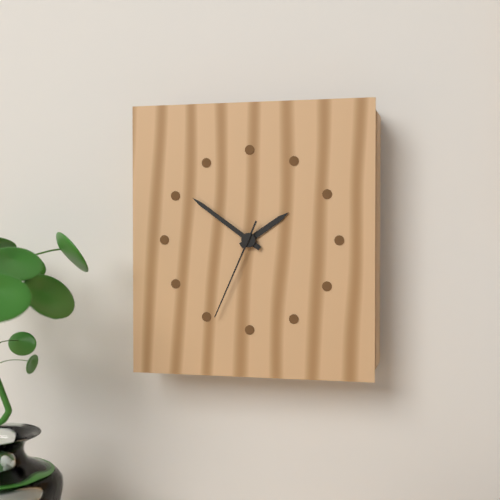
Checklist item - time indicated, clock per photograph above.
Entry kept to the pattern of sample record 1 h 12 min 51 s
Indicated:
1 h 51 min 34 s
